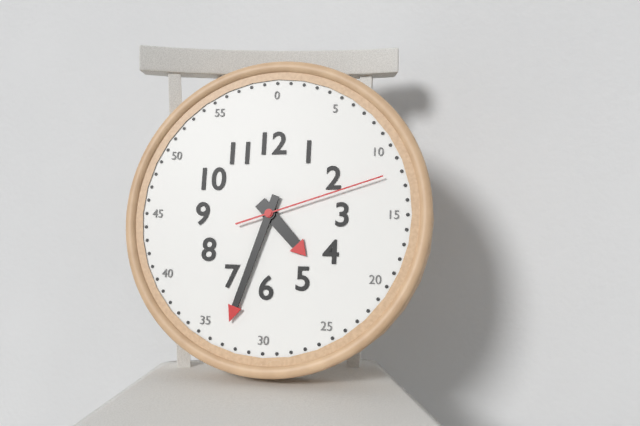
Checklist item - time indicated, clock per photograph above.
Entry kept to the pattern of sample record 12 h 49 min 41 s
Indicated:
4 h 33 min 12 s
